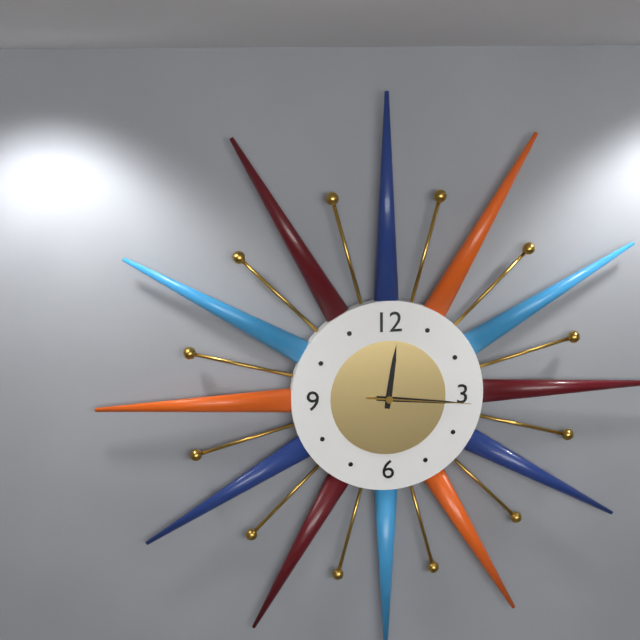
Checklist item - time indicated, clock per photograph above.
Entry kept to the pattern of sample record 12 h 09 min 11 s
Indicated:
12 h 16 min 16 s
